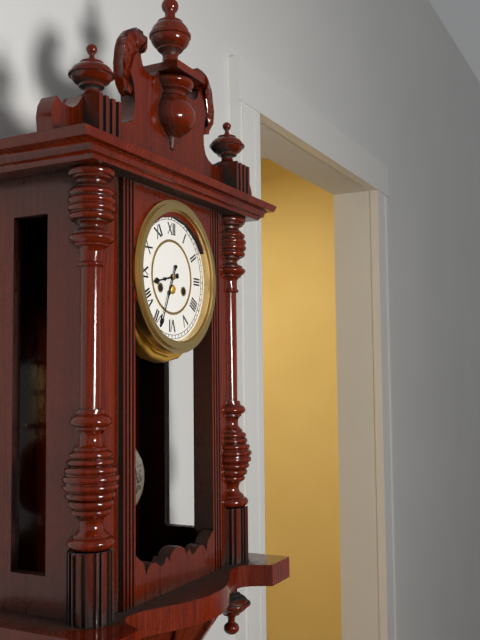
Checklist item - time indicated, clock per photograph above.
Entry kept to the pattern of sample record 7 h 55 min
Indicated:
8 h 34 min
